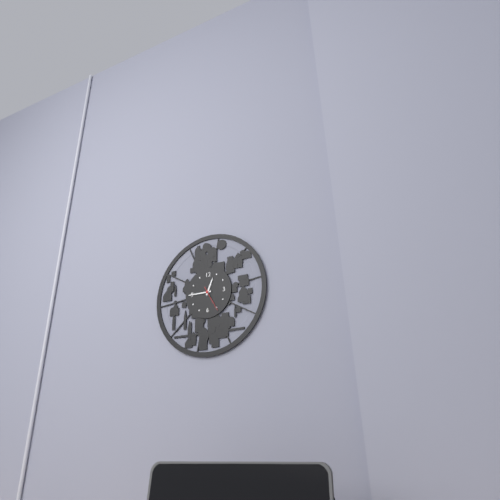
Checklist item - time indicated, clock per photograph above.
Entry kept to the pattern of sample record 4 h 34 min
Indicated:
12 h 45 min
